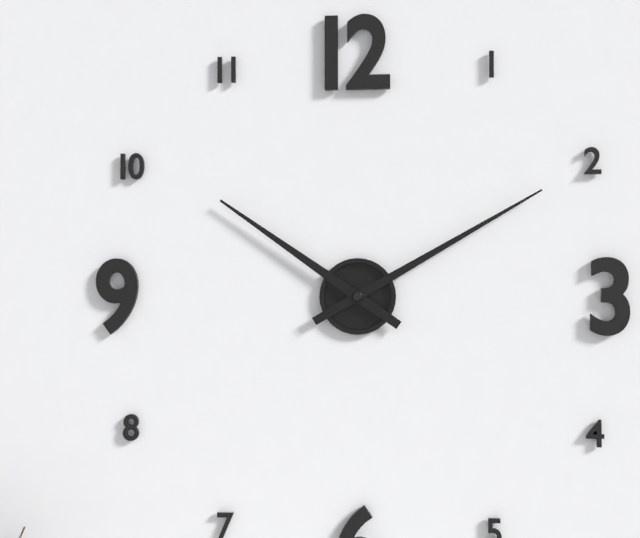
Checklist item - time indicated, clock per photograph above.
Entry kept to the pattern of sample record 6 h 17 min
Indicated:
10 h 10 min
